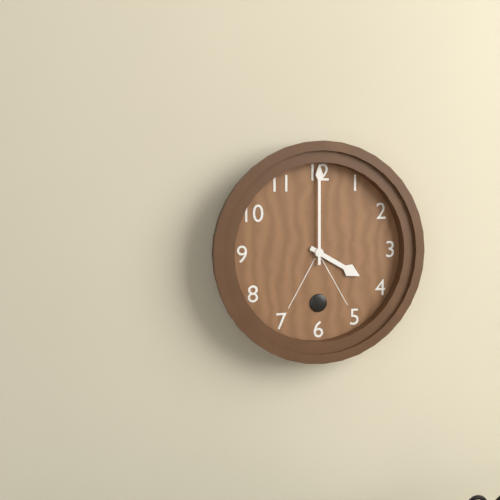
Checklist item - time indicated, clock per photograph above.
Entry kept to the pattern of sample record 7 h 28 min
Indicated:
4 h 00 min
